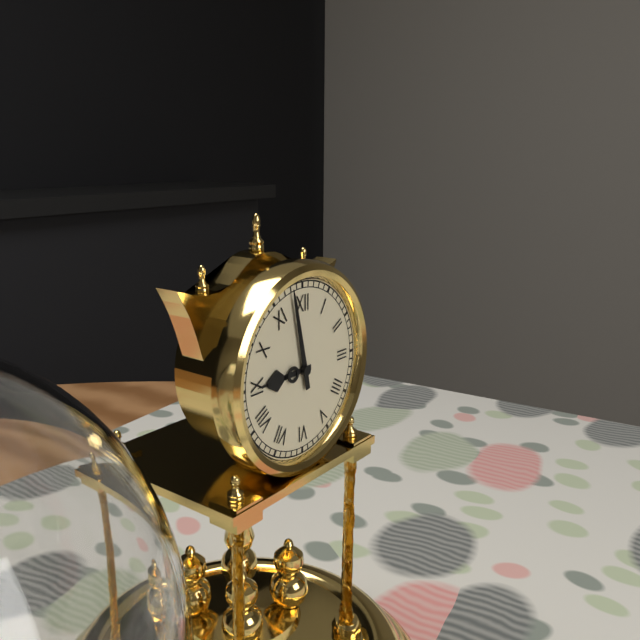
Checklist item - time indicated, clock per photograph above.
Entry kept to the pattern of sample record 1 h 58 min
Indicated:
8 h 58 min
